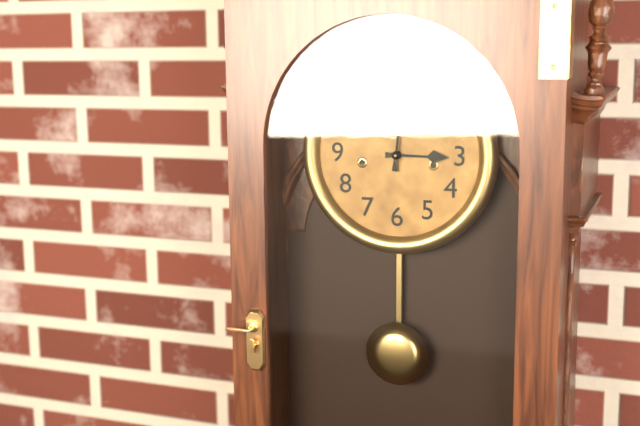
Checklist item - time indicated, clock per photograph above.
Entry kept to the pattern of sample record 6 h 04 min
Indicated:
3 h 01 min
